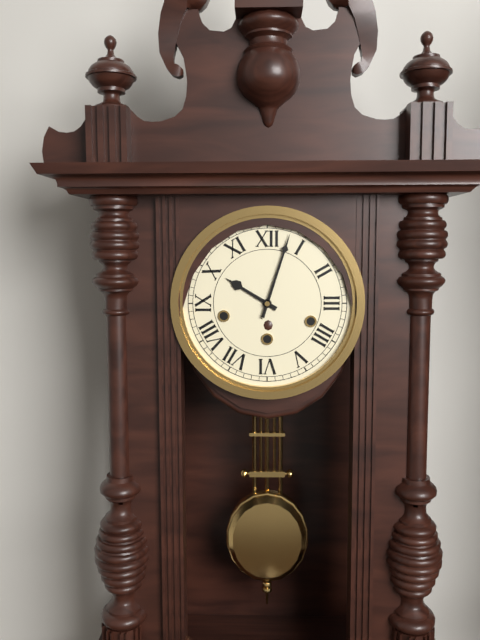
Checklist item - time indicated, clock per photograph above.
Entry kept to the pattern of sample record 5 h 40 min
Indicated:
10 h 03 min
